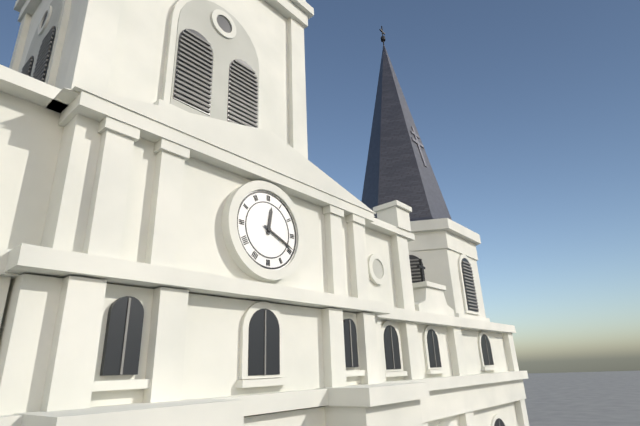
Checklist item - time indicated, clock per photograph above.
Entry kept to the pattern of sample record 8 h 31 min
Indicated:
12 h 19 min
